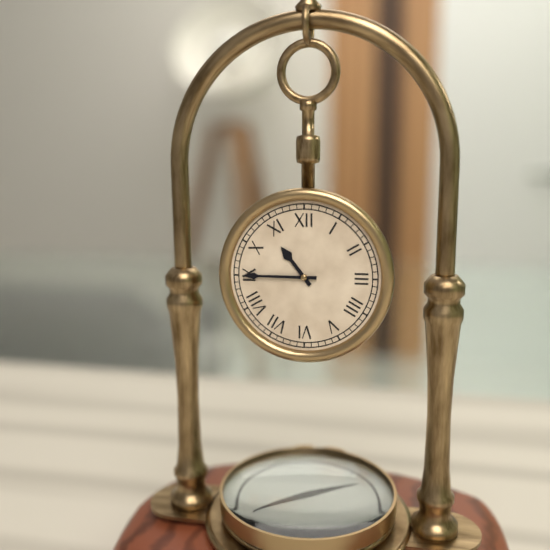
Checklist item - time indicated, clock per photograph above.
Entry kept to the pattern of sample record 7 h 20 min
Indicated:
10 h 45 min
